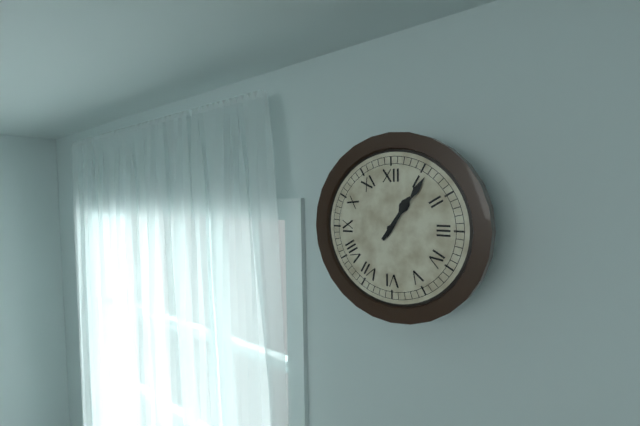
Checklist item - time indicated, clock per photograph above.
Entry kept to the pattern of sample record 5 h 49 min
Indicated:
1 h 06 min
